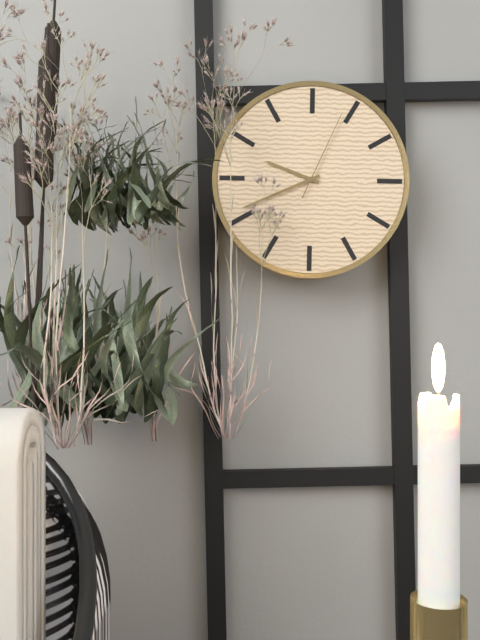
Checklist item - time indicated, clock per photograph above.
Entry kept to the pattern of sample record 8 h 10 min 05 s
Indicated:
9 h 41 min 04 s
